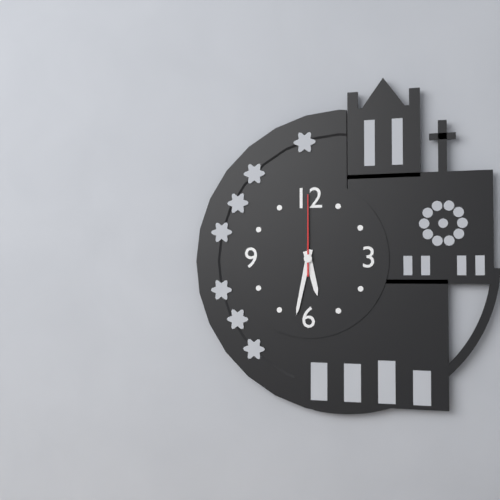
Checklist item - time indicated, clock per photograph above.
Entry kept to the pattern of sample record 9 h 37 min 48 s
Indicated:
5 h 32 min 00 s
